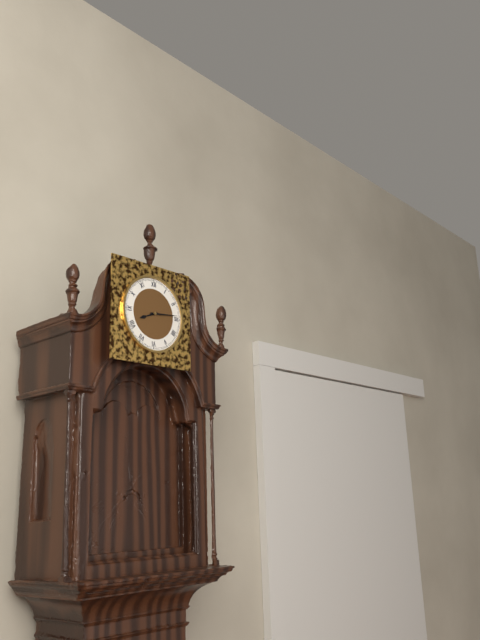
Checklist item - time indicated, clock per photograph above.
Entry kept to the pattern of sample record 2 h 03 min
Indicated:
8 h 14 min
